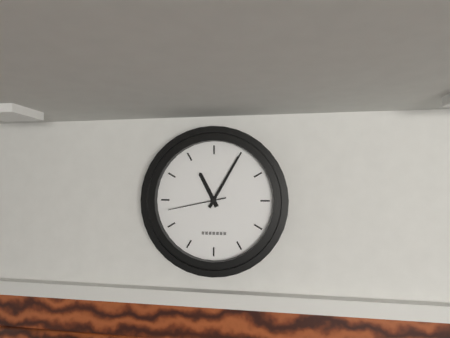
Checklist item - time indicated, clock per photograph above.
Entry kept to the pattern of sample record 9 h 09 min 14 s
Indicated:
11 h 05 min 43 s
